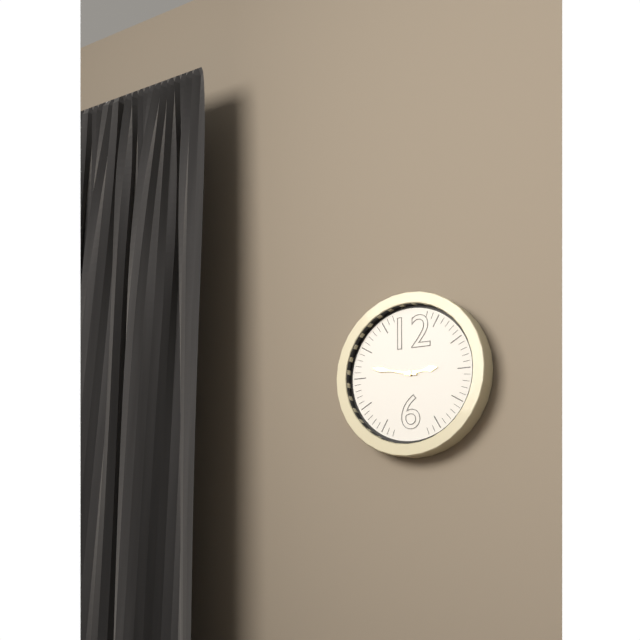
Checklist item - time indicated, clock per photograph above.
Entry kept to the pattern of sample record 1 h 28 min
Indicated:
2 h 47 min
